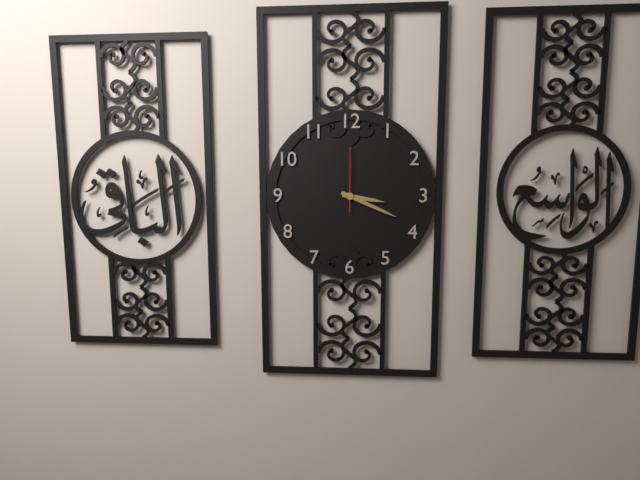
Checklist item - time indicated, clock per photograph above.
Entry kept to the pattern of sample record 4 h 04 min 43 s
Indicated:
3 h 19 min 00 s
